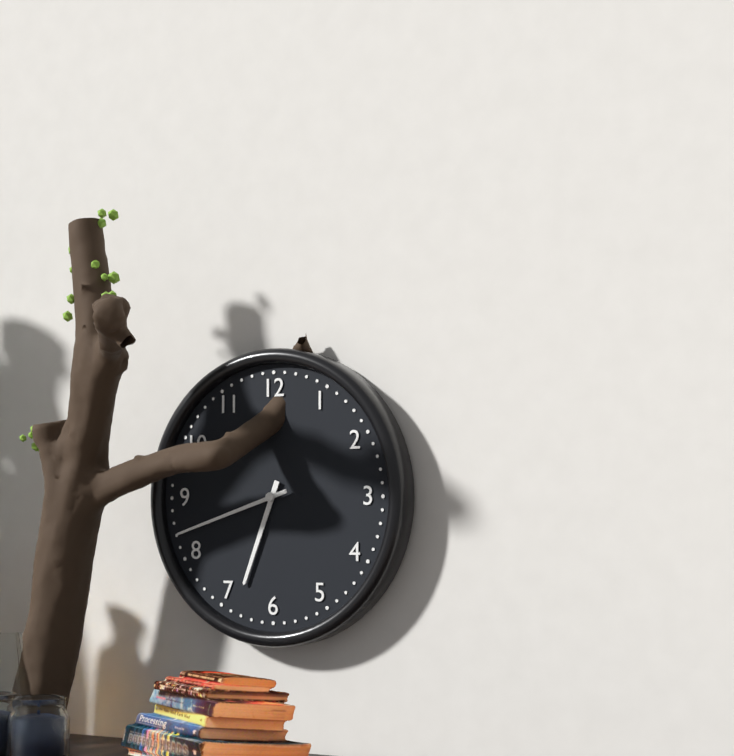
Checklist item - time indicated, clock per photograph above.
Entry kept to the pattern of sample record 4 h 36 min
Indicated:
6 h 42 min
